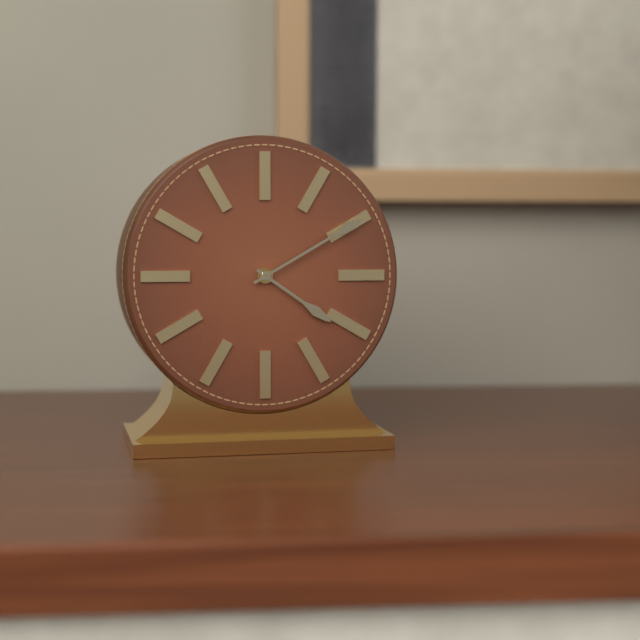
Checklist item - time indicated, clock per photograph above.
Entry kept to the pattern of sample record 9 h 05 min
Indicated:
4 h 10 min
